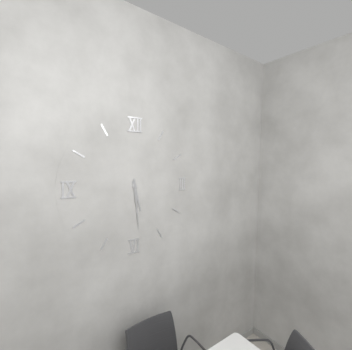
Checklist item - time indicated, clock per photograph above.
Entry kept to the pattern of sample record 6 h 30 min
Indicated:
5 h 29 min
